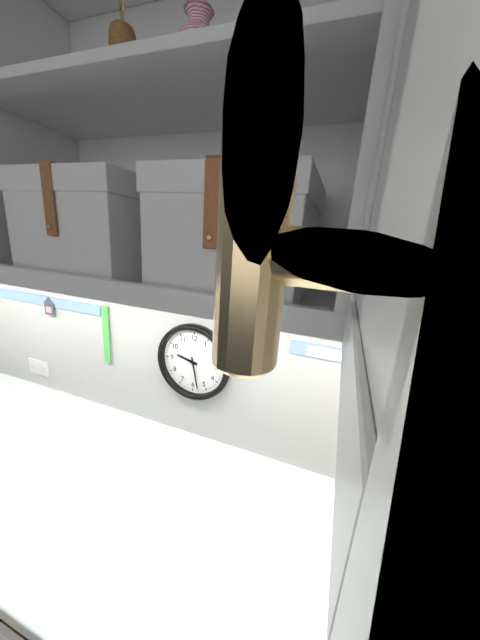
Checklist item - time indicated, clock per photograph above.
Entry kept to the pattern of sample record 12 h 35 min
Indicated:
9 h 28 min
